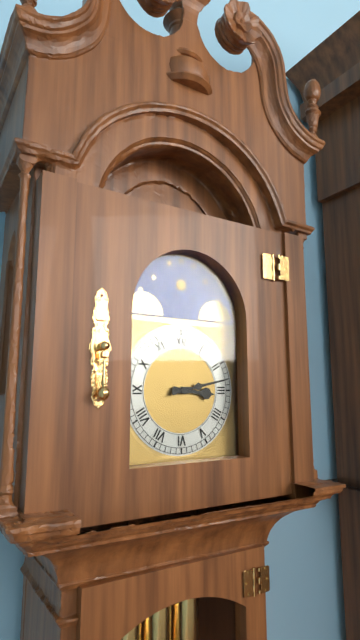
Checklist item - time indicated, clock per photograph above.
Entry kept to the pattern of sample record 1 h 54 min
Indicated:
3 h 13 min
